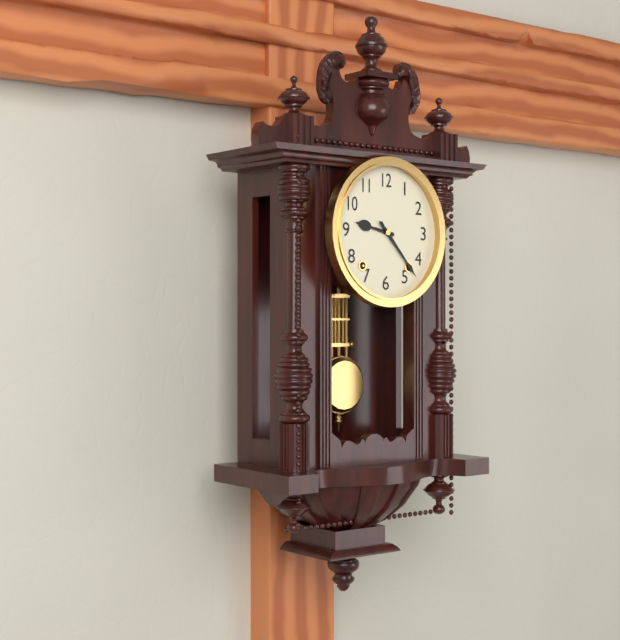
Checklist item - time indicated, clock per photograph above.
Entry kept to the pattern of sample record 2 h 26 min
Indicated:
9 h 23 min
